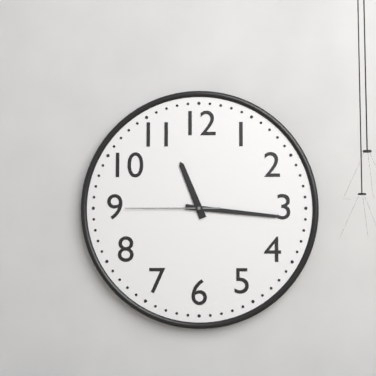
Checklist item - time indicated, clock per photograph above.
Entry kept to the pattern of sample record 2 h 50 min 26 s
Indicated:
11 h 16 min 45 s
